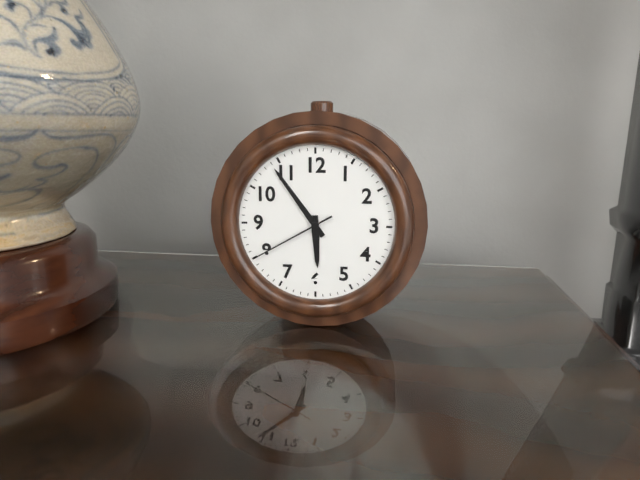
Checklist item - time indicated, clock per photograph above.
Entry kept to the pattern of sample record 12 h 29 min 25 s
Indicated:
5 h 54 min 40 s
